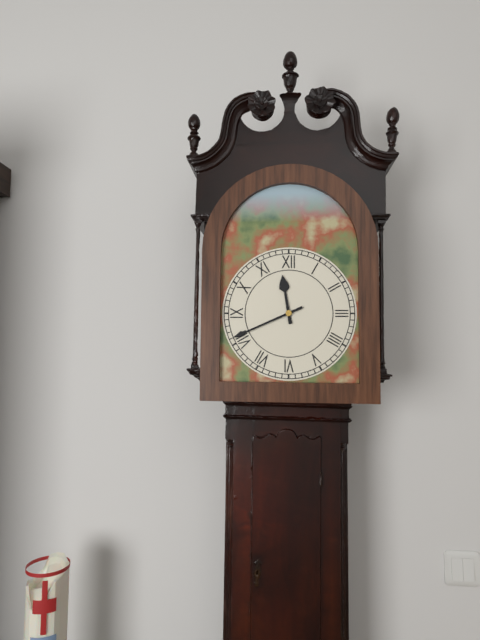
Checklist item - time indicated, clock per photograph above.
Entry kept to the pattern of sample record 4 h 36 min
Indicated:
11 h 41 min
